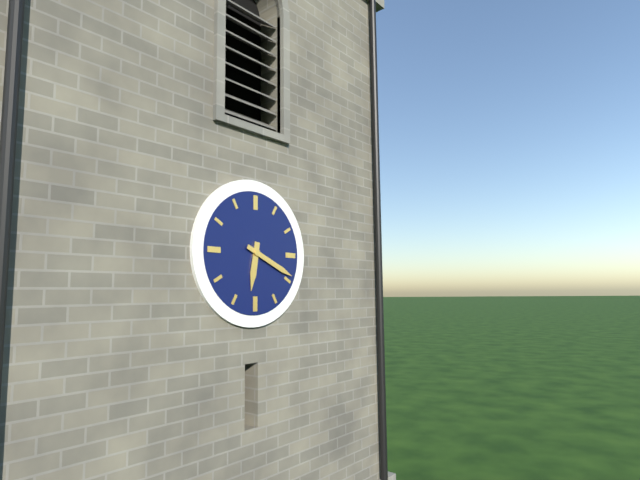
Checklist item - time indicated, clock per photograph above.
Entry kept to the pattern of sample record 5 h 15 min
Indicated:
6 h 19 min
